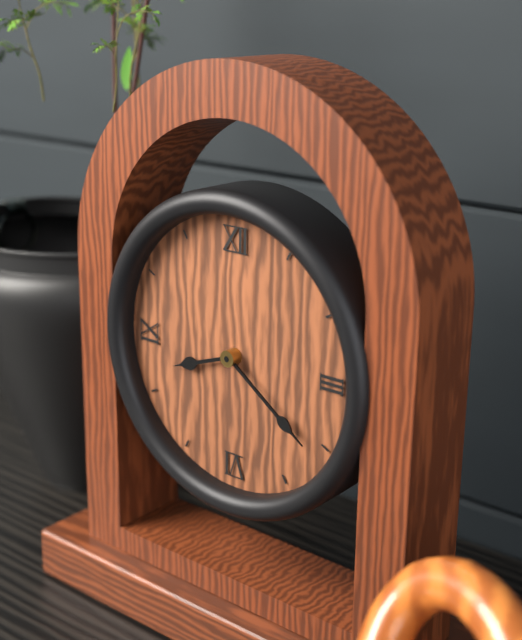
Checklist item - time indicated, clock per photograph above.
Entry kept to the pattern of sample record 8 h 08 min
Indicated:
8 h 21 min
